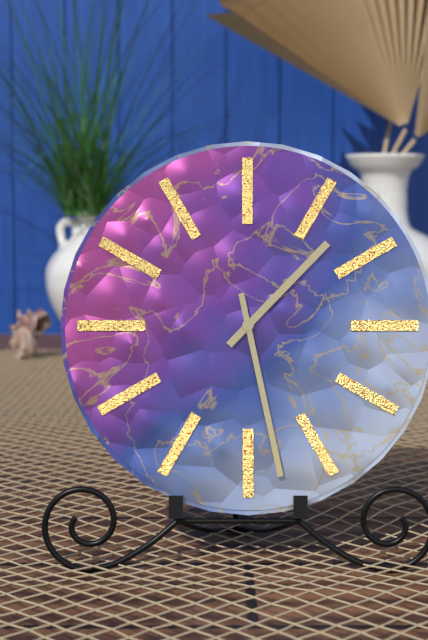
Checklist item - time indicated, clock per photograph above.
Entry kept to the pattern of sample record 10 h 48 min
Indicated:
1 h 28 min
